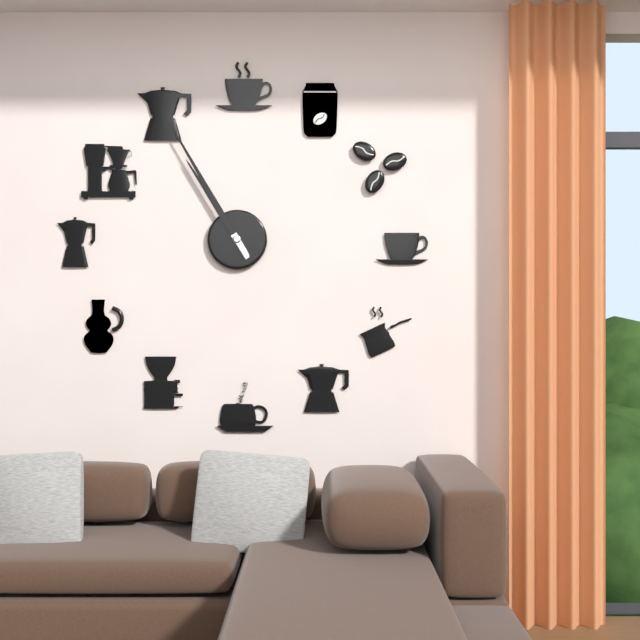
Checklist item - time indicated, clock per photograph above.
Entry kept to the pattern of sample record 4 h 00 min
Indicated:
10 h 55 min
